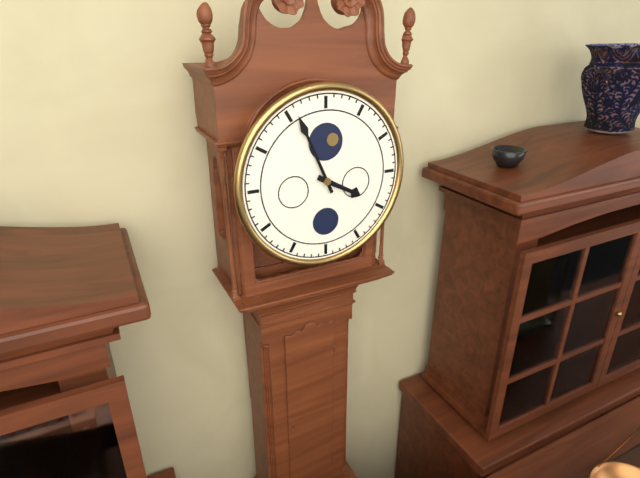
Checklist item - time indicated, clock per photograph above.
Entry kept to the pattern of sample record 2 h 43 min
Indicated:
3 h 56 min
